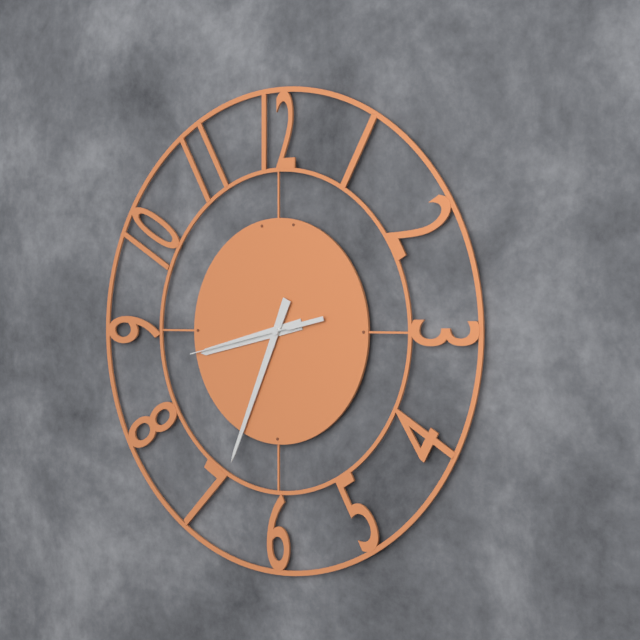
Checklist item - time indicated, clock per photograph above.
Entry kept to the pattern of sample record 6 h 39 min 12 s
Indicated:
8 h 34 min 43 s
